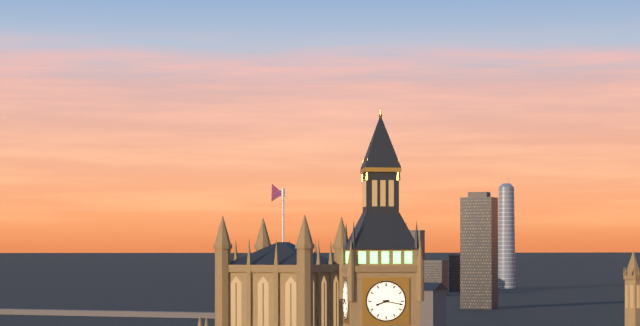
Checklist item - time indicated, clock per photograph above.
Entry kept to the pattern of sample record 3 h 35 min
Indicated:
8 h 17 min
